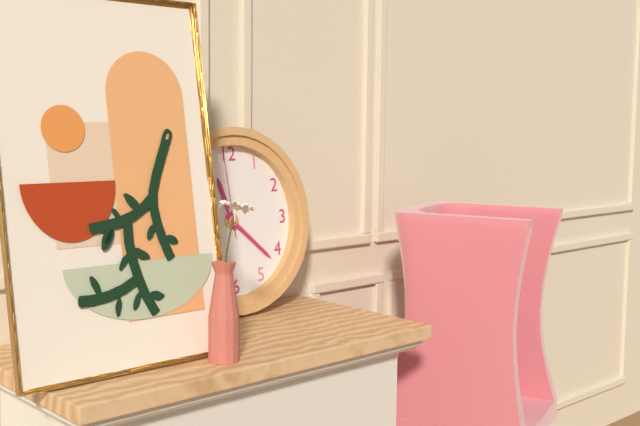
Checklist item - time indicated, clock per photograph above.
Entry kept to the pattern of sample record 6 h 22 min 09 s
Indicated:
11 h 22 min 59 s
